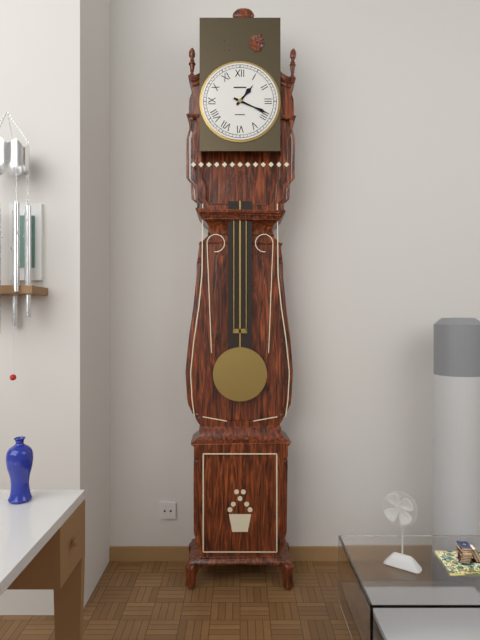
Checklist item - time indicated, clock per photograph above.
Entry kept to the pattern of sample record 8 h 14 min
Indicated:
1 h 19 min
